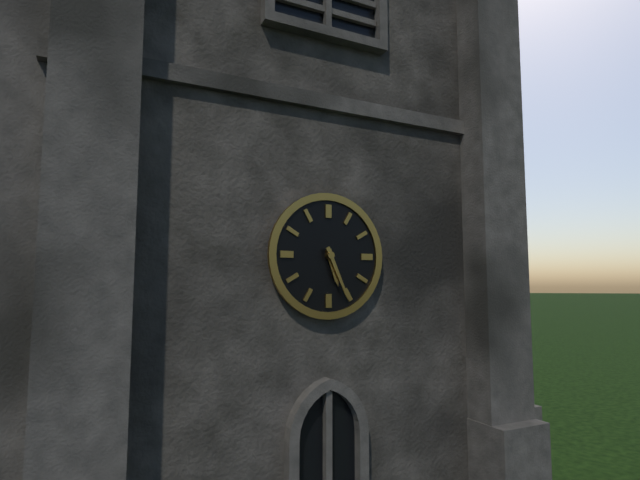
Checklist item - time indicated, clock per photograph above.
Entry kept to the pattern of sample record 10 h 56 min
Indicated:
5 h 26 min
